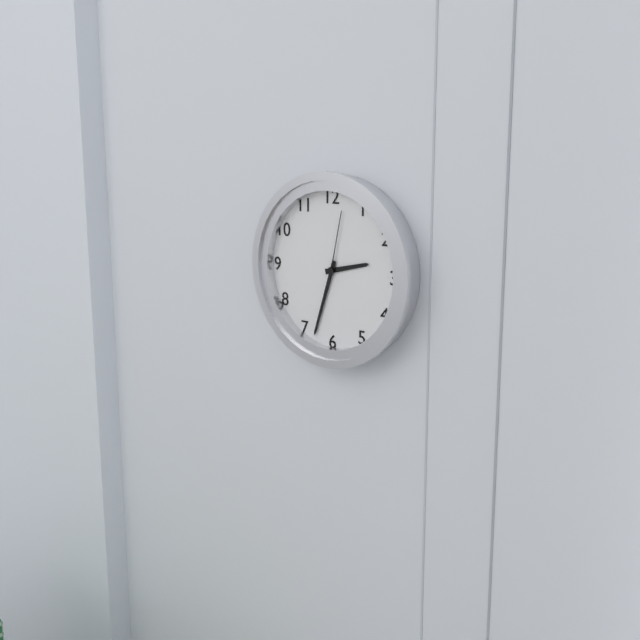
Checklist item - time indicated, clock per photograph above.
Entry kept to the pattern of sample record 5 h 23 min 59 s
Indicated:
2 h 33 min 02 s
